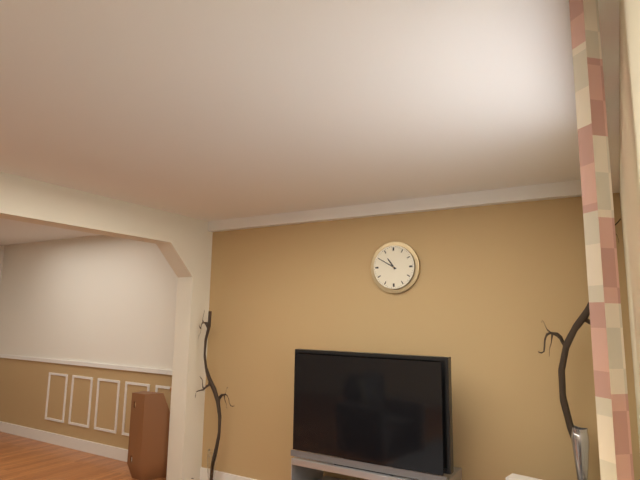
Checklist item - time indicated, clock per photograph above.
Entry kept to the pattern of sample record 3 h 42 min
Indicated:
10 h 50 min
